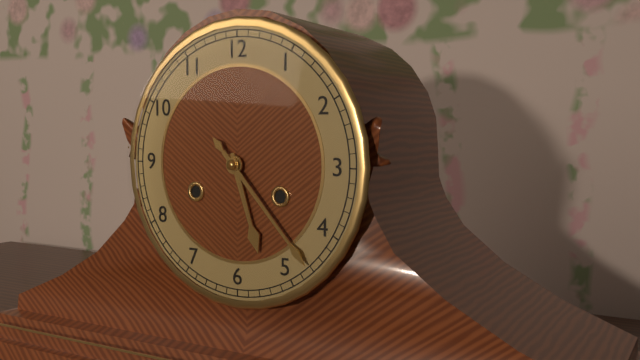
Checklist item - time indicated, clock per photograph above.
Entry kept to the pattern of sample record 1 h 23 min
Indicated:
5 h 23 min
